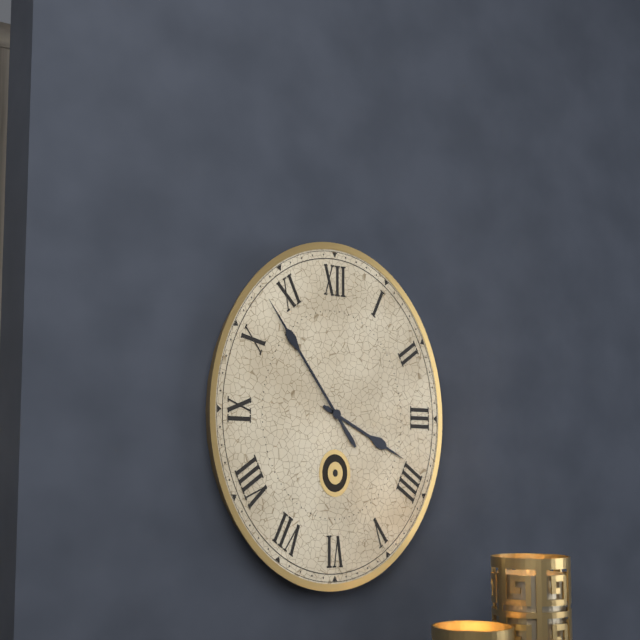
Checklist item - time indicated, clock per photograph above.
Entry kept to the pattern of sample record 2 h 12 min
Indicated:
3 h 54 min
